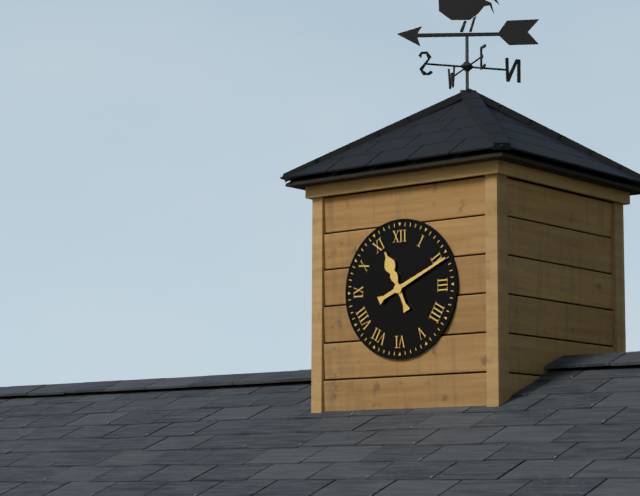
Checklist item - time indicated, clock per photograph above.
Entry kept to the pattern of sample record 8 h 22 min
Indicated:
11 h 11 min
